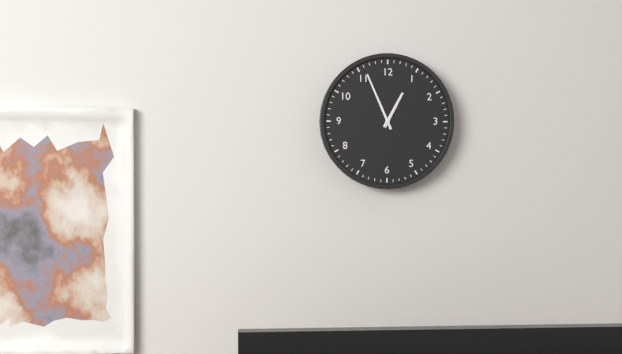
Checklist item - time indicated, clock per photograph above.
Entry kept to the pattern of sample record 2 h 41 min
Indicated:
12 h 56 min
